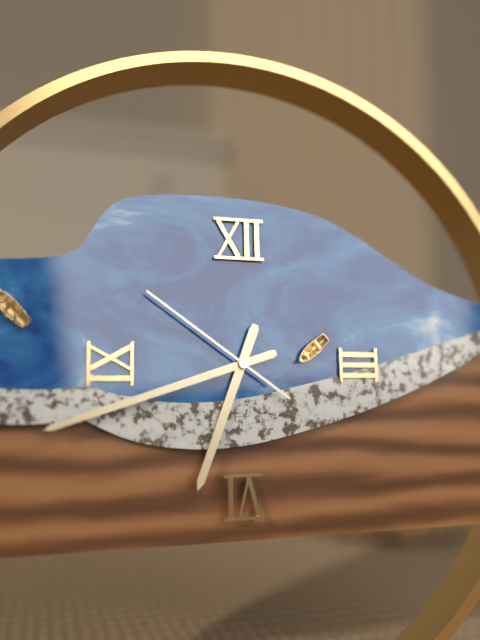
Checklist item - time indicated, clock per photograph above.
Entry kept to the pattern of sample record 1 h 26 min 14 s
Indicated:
6 h 42 min 51 s
